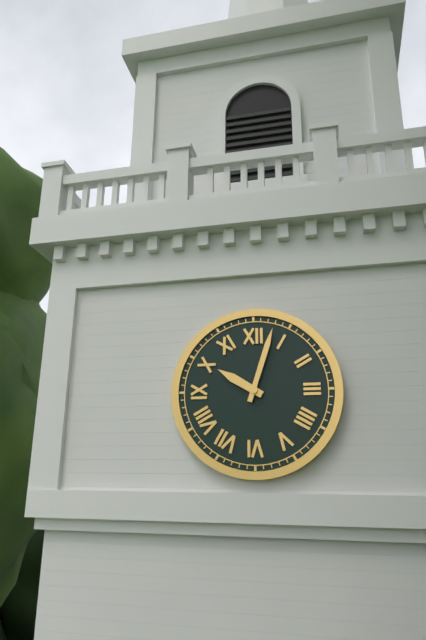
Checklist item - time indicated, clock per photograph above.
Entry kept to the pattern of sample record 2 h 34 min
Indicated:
10 h 03 min
